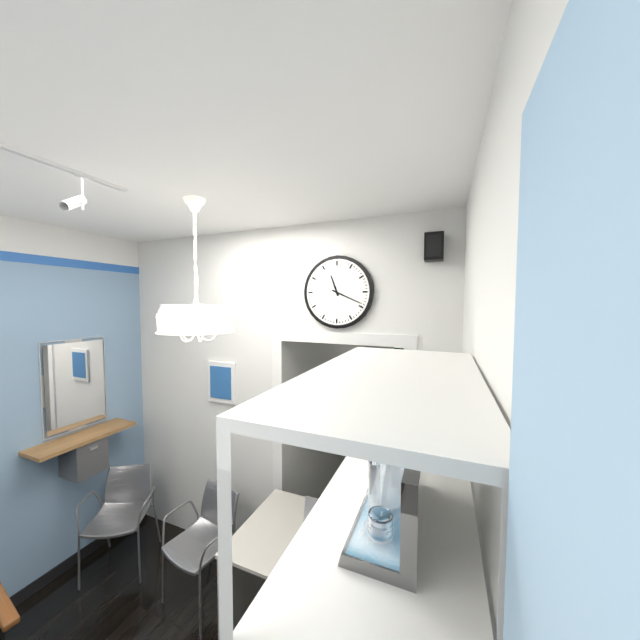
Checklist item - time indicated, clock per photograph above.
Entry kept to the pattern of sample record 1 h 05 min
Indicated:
11 h 19 min
